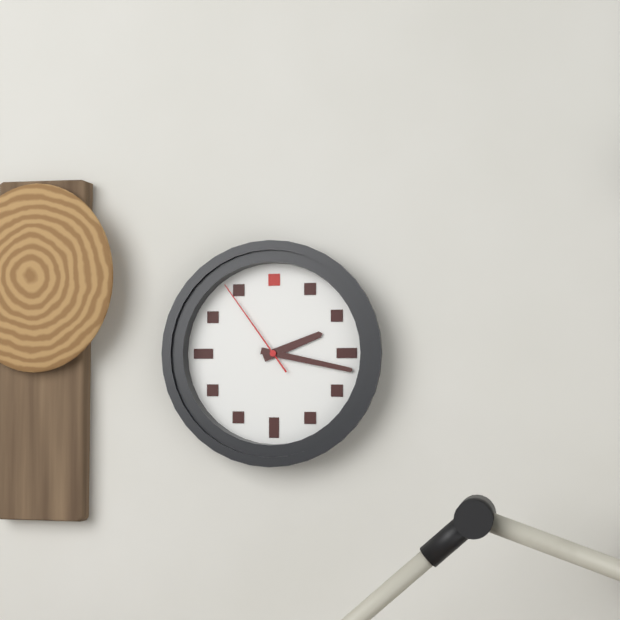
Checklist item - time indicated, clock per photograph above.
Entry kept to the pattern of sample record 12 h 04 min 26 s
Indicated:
2 h 17 min 54 s
